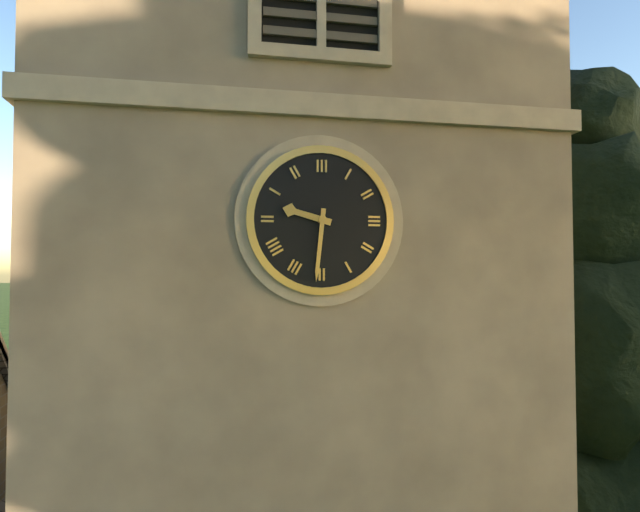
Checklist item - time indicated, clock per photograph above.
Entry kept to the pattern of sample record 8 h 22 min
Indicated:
9 h 31 min
